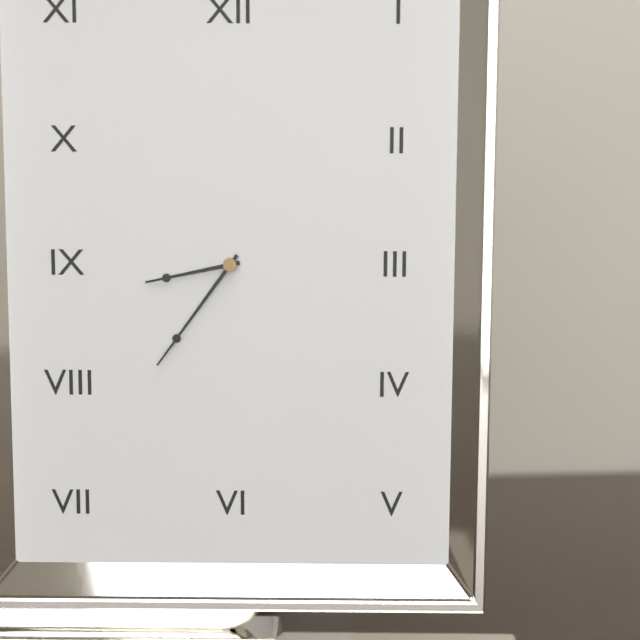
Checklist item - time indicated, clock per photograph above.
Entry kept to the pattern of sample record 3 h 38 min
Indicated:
8 h 36 min
